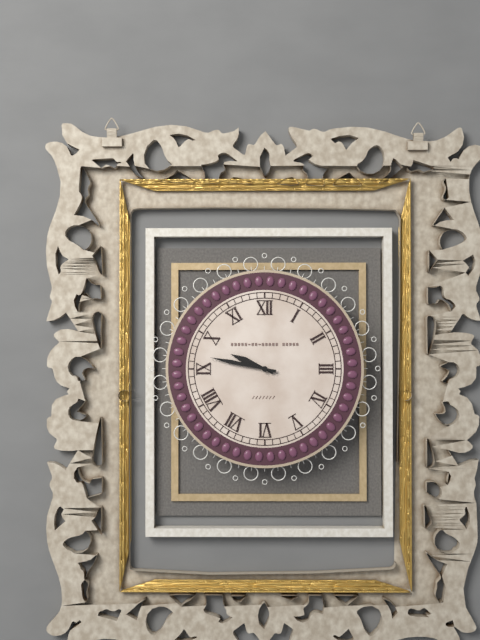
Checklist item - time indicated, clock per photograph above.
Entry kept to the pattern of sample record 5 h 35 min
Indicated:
9 h 47 min
